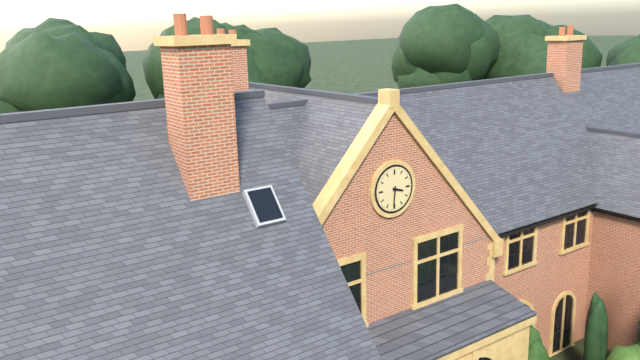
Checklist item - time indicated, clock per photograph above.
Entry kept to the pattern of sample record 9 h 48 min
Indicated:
3 h 31 min
